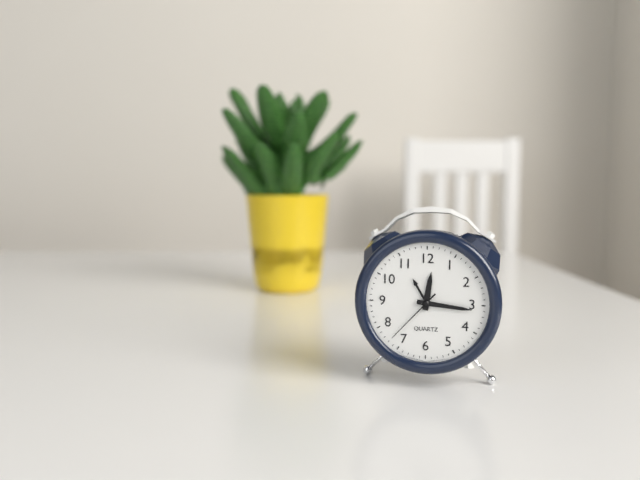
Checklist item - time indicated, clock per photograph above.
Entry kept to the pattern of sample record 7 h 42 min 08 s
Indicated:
12 h 16 min 37 s
